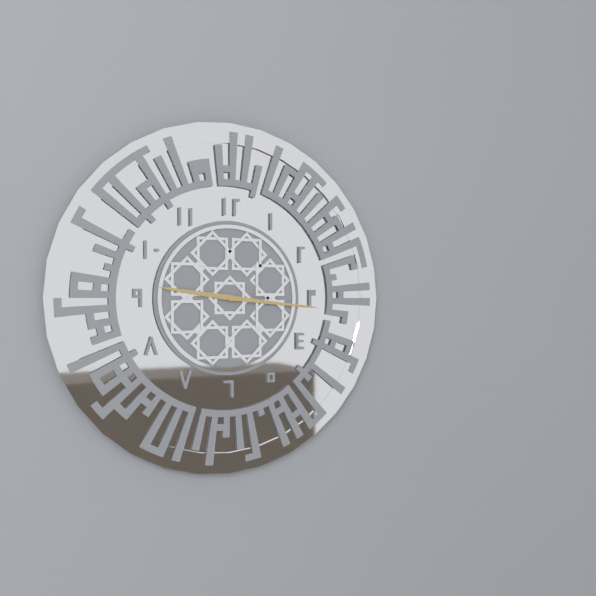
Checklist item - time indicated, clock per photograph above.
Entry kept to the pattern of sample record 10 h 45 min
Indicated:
9 h 16 min
